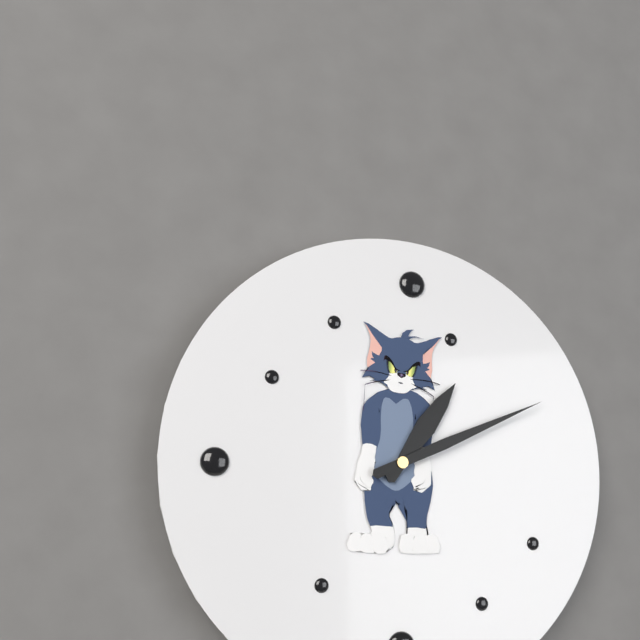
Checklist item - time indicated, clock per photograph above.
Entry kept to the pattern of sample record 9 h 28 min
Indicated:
1 h 11 min
